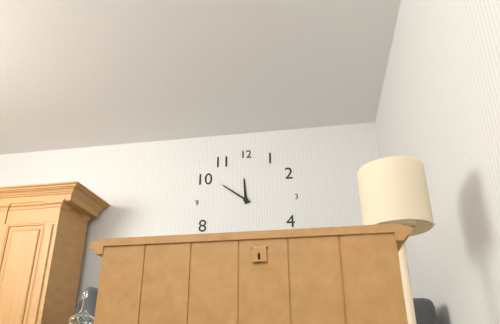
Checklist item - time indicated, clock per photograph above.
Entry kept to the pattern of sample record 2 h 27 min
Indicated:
11 h 51 min
